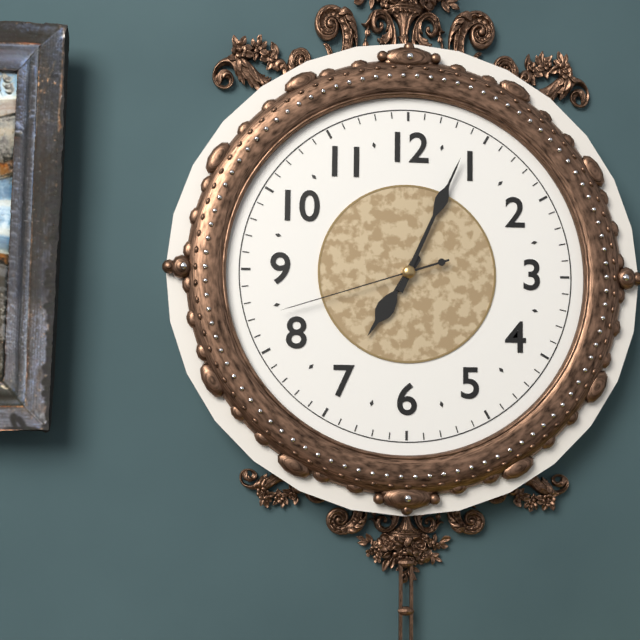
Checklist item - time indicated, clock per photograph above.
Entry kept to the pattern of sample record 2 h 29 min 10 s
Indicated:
7 h 04 min 42 s
